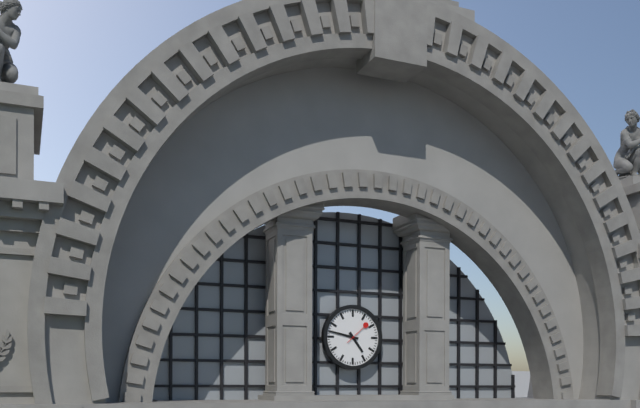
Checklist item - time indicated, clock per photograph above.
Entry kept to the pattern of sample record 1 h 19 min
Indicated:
4 h 47 min
